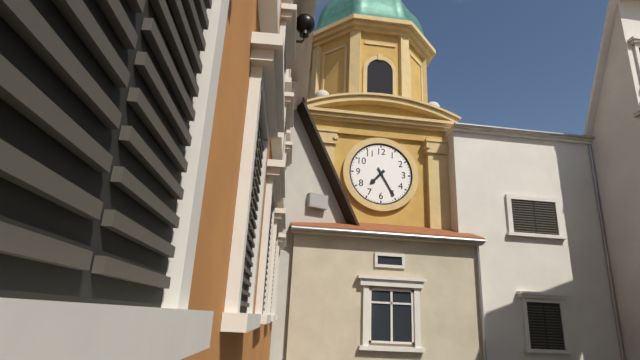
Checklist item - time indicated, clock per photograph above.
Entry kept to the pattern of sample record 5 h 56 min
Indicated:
7 h 25 min
